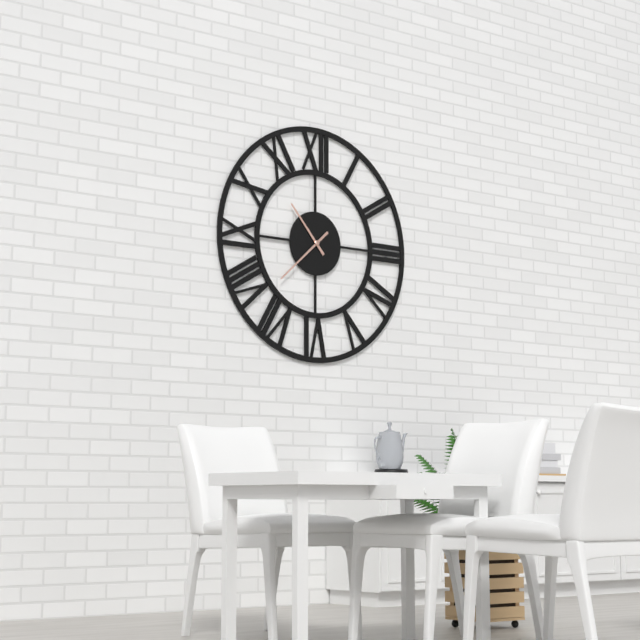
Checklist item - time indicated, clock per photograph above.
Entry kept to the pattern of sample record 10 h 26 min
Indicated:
10 h 38 min
